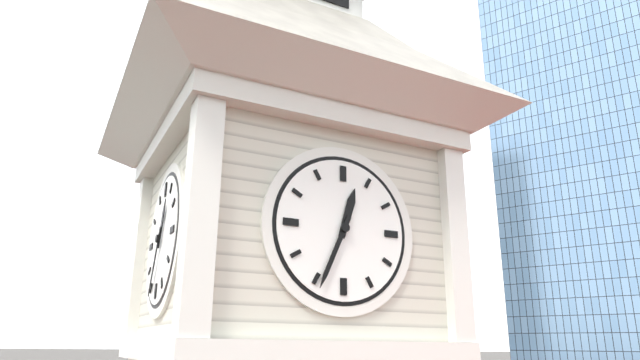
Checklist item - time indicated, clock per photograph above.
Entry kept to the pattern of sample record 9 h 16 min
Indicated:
12 h 34 min
